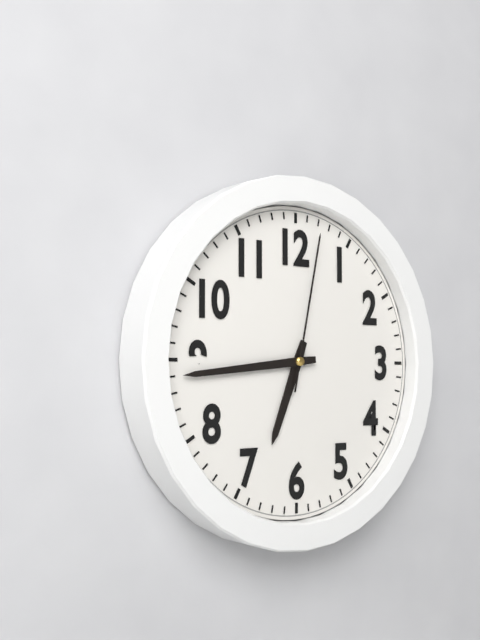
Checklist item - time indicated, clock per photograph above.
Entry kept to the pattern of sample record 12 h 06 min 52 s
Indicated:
6 h 44 min 02 s
